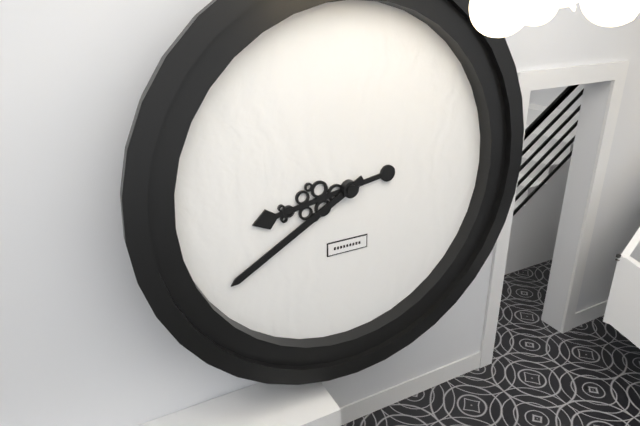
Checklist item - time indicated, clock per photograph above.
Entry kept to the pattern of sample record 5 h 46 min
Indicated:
8 h 40 min
